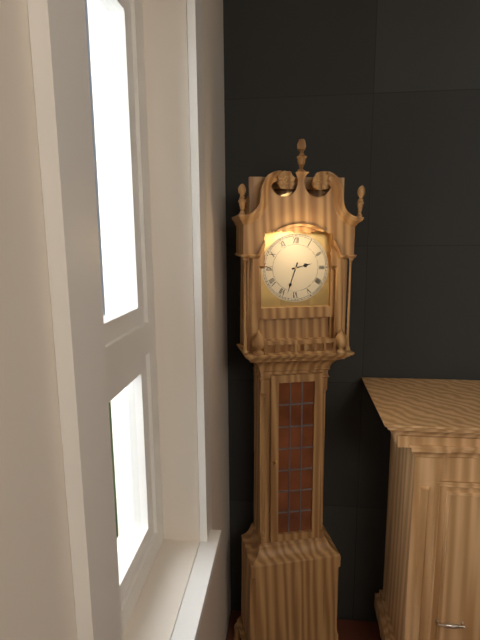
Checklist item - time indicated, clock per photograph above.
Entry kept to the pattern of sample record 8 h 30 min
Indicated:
2 h 33 min
